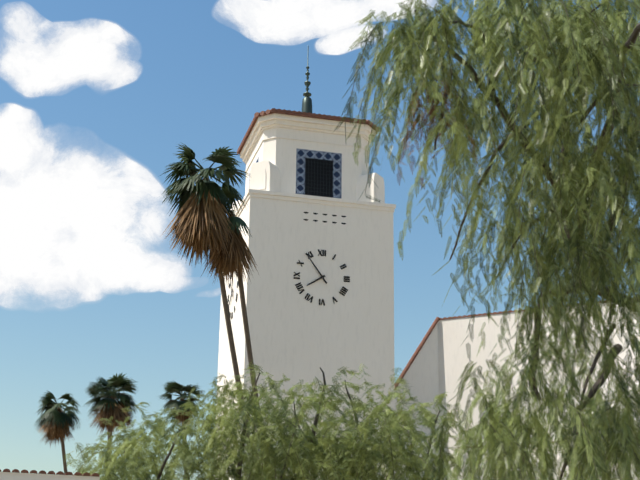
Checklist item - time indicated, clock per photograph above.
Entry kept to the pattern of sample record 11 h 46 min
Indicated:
7 h 54 min
